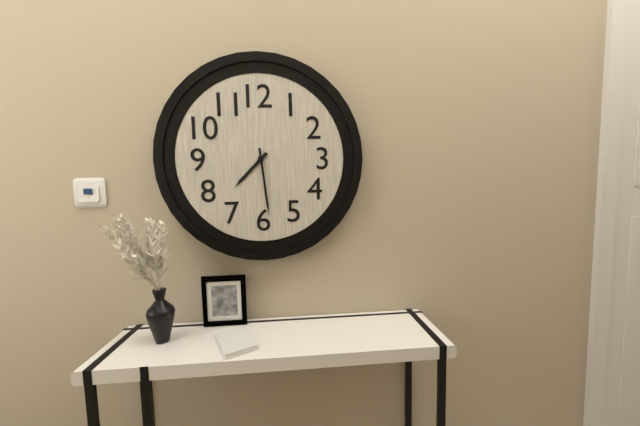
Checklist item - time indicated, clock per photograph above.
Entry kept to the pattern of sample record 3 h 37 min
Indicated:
7 h 29 min
